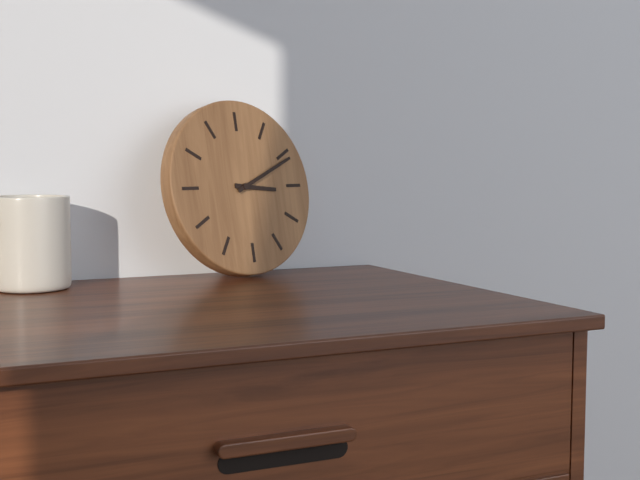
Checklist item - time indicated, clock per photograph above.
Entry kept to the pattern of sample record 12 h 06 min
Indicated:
3 h 11 min
